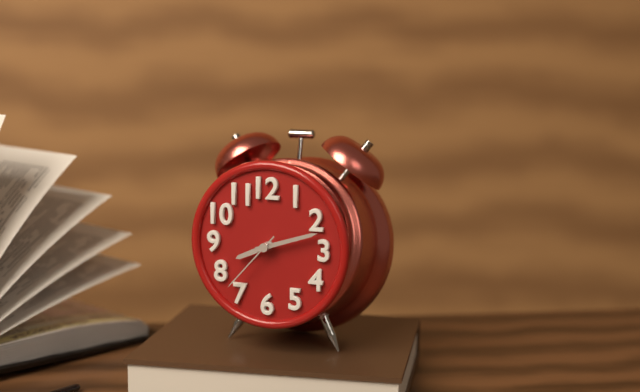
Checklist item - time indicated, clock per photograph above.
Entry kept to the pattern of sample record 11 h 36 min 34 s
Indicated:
8 h 12 min 37 s
